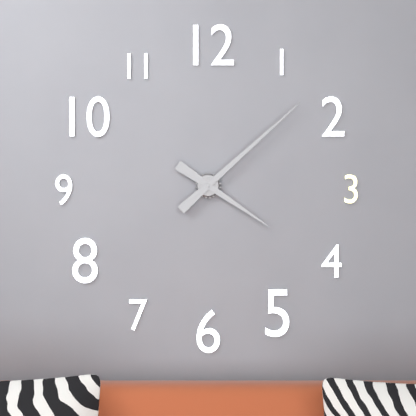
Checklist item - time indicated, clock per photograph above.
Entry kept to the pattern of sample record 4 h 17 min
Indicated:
4 h 08 min
